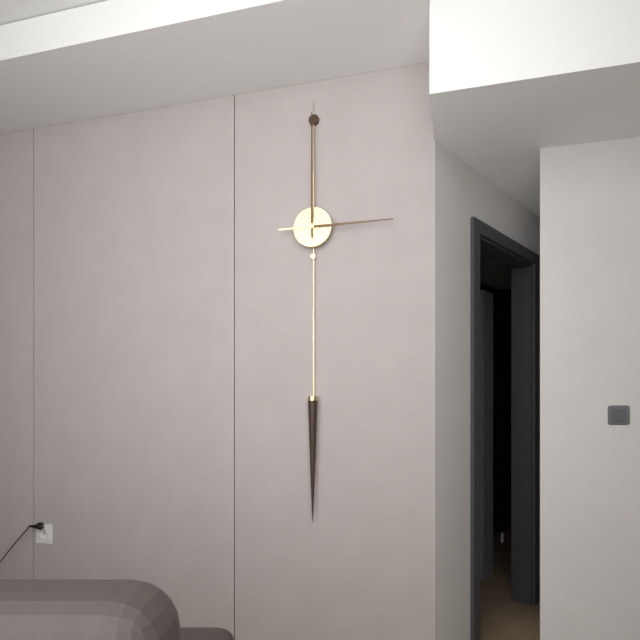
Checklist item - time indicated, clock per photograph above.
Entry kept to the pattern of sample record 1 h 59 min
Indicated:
3 h 00 min
